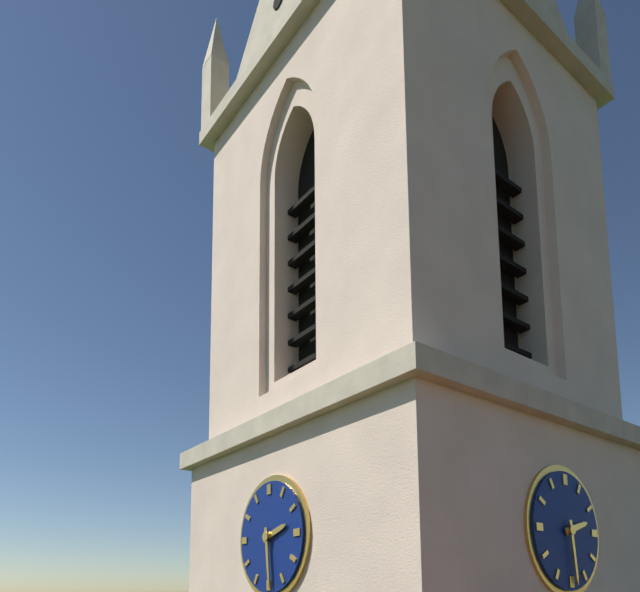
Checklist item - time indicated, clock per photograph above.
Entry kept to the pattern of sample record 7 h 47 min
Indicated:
2 h 29 min
